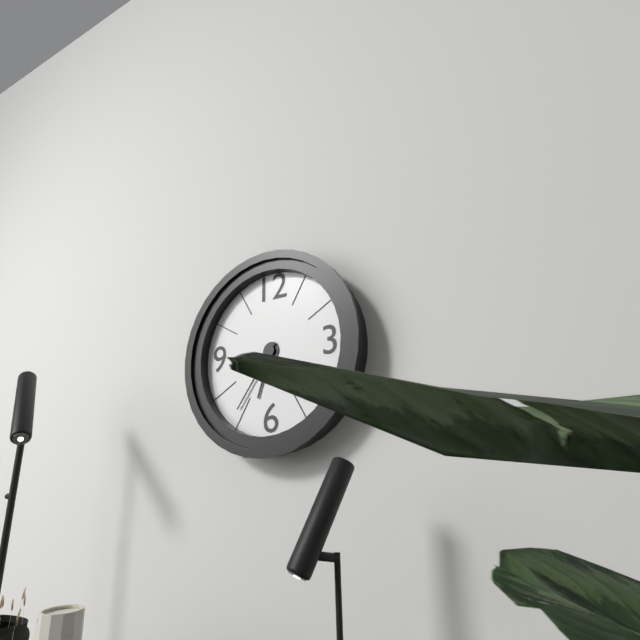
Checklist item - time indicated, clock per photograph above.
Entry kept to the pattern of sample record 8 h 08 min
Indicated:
6 h 36 min
